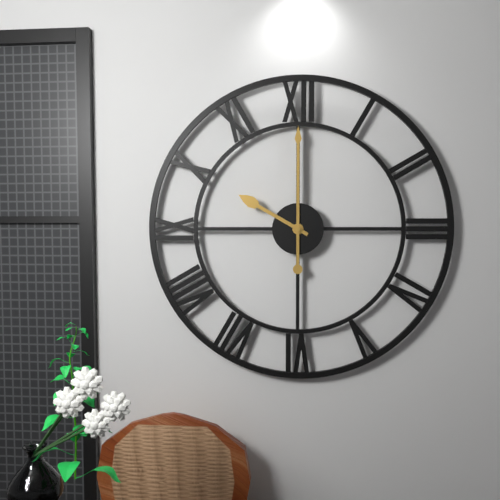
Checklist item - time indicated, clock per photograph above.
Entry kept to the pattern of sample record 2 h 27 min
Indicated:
10 h 00 min
